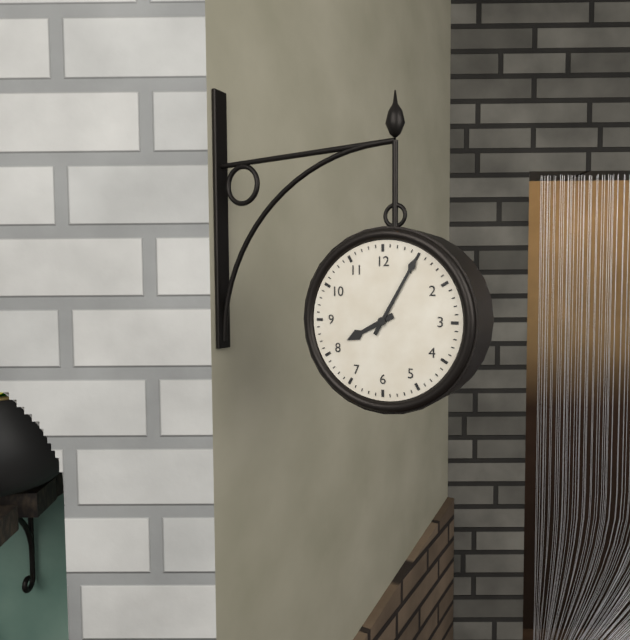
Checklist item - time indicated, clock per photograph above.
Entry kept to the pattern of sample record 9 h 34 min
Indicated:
8 h 05 min
